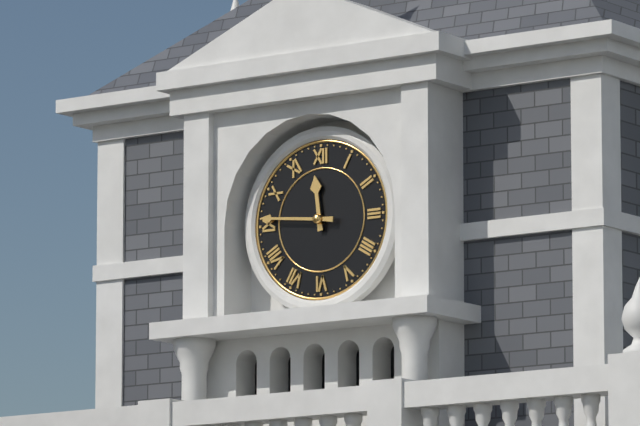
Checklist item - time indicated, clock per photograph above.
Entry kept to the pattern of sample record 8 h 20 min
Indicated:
11 h 46 min
